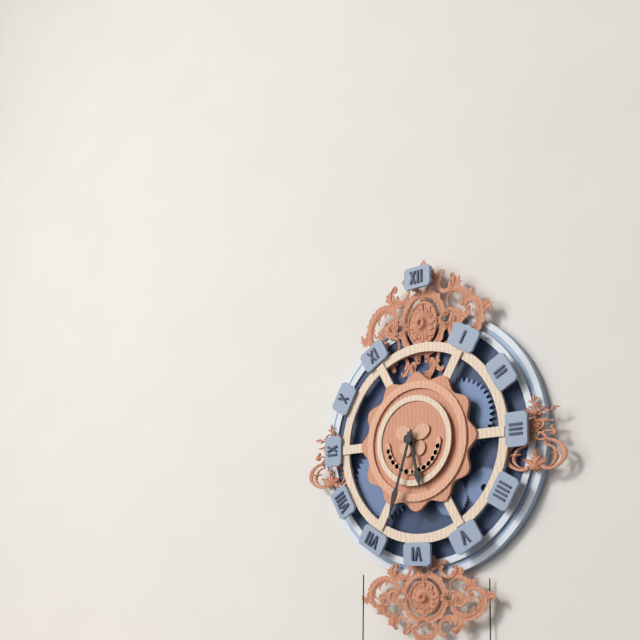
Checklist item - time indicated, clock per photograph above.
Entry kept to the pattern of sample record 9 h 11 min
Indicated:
5 h 33 min
